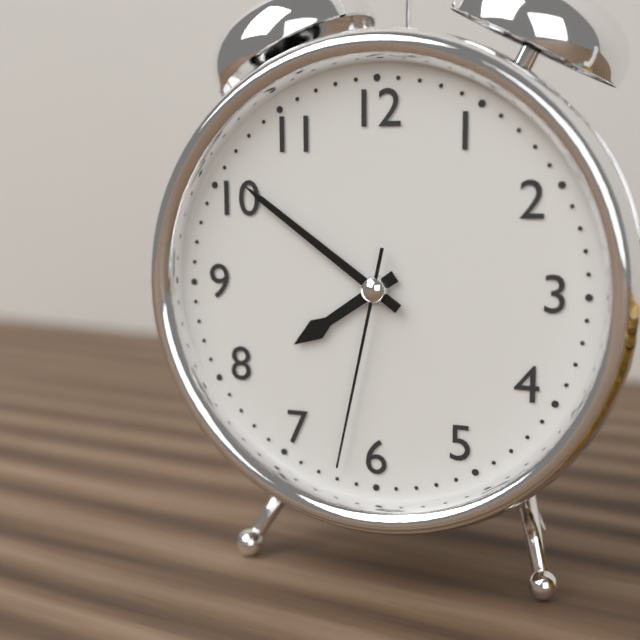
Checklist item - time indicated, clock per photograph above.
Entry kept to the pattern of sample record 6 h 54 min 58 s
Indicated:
7 h 51 min 32 s
